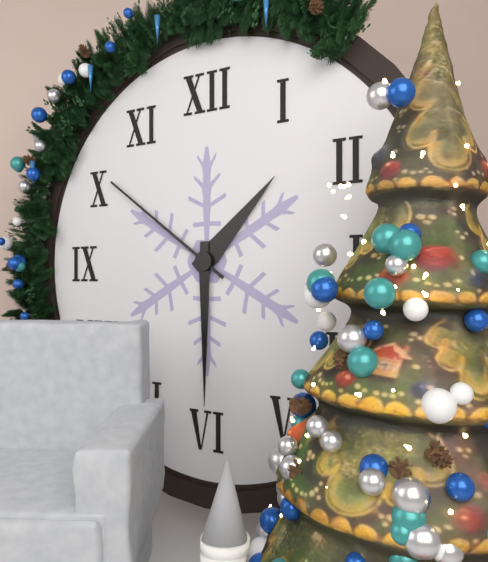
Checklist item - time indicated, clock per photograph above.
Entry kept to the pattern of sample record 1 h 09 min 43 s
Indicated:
1 h 30 min 51 s
